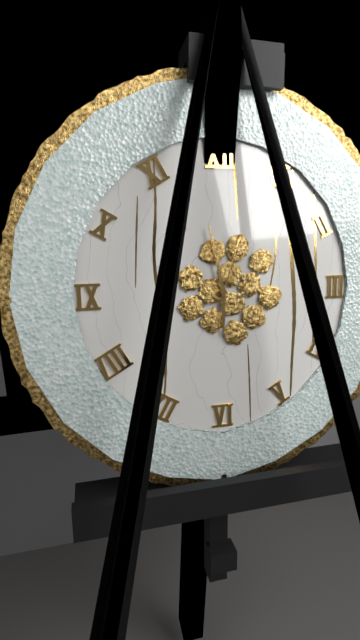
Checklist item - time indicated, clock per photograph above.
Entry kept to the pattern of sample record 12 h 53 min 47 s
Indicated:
5 h 58 min 03 s
